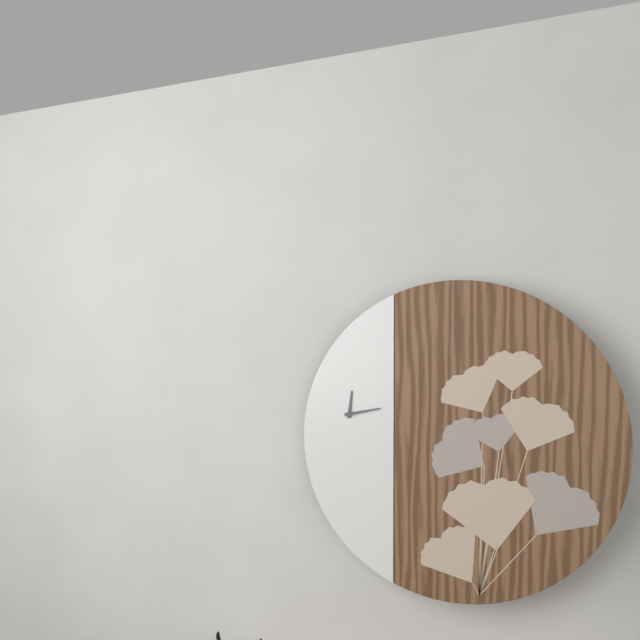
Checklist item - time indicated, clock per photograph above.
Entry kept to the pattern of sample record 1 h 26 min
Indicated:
12 h 13 min
